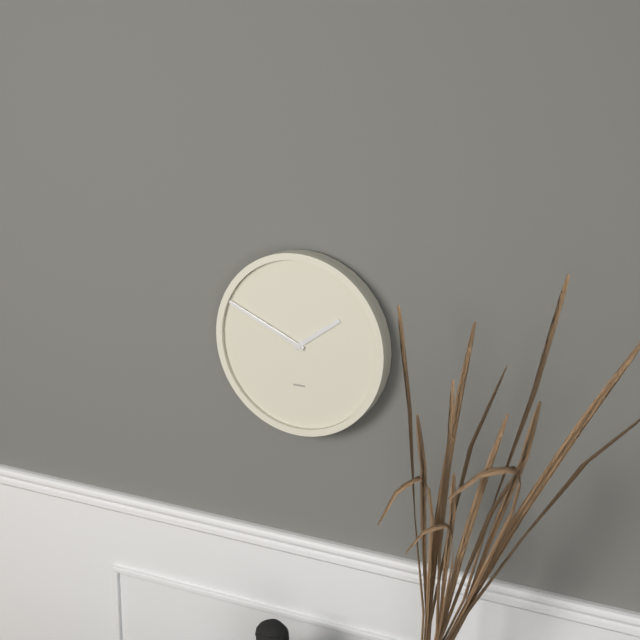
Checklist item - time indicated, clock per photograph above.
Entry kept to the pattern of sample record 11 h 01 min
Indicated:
1 h 49 min
